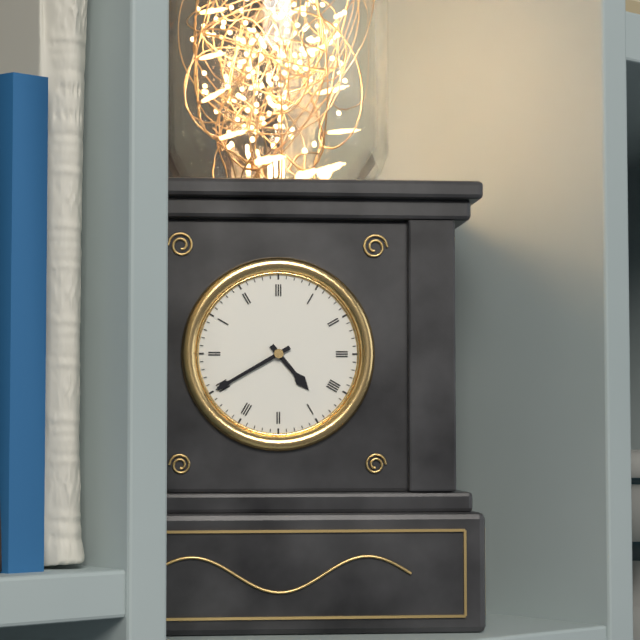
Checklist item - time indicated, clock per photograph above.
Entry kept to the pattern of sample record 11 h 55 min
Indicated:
4 h 40 min
